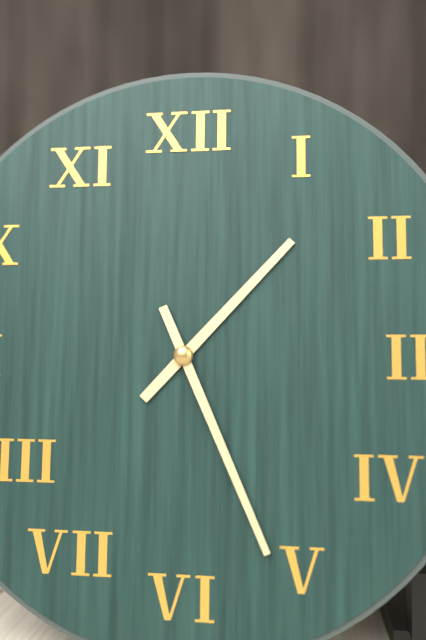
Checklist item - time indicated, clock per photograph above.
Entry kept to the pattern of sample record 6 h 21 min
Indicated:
1 h 26 min
